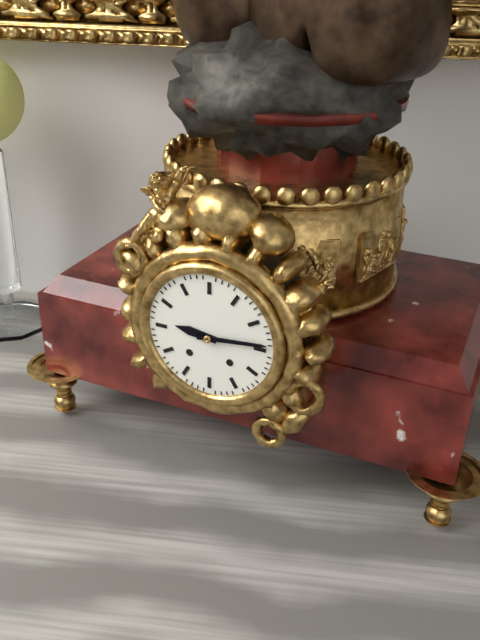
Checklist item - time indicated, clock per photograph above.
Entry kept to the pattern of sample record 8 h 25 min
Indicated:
9 h 14 min
